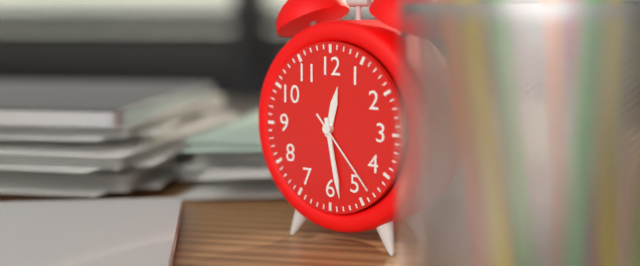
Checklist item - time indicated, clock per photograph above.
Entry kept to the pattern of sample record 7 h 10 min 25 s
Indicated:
12 h 28 min 23 s
